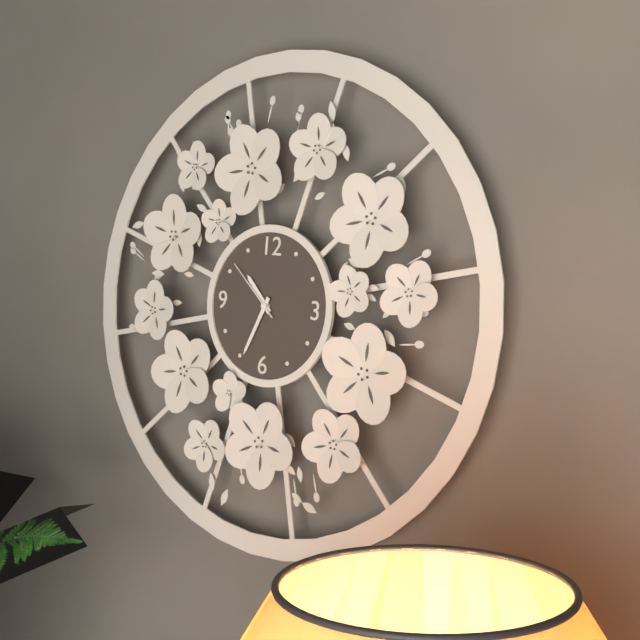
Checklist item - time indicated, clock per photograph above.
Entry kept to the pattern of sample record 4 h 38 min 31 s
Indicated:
10 h 34 min 52 s
